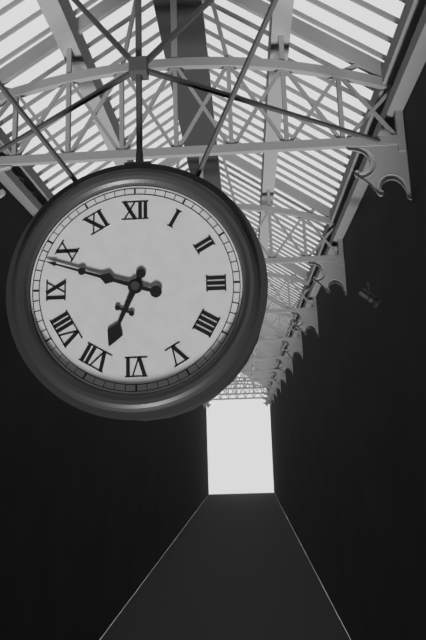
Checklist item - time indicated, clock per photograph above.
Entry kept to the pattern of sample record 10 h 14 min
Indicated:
6 h 48 min
